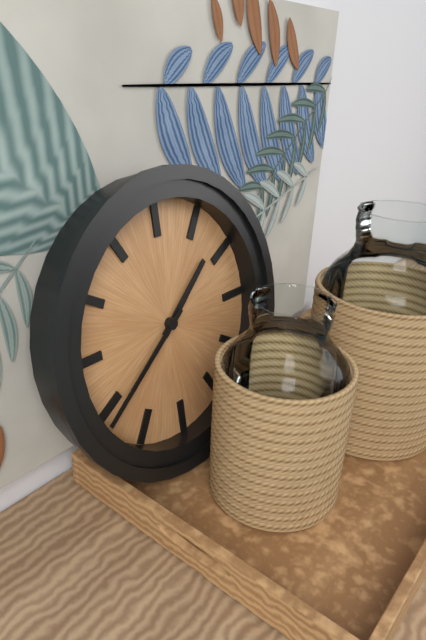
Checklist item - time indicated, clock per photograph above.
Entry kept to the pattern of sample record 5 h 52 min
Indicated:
1 h 39 min
